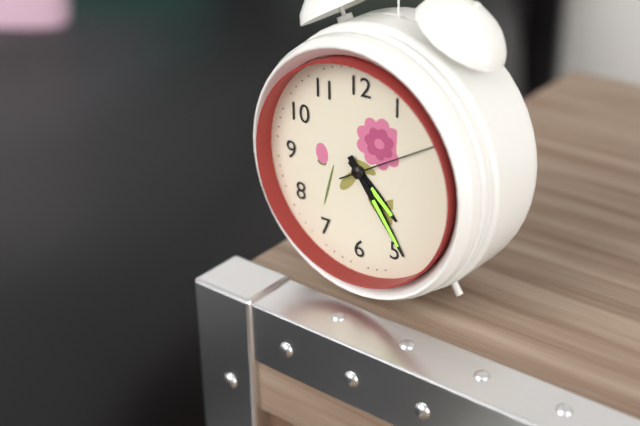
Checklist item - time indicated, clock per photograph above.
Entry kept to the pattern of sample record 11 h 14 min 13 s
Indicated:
4 h 24 min 10 s
